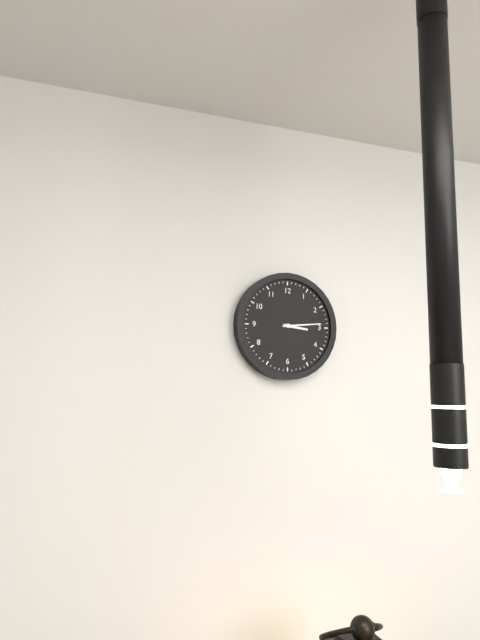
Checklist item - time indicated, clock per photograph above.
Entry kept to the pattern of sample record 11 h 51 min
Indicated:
3 h 14 min
